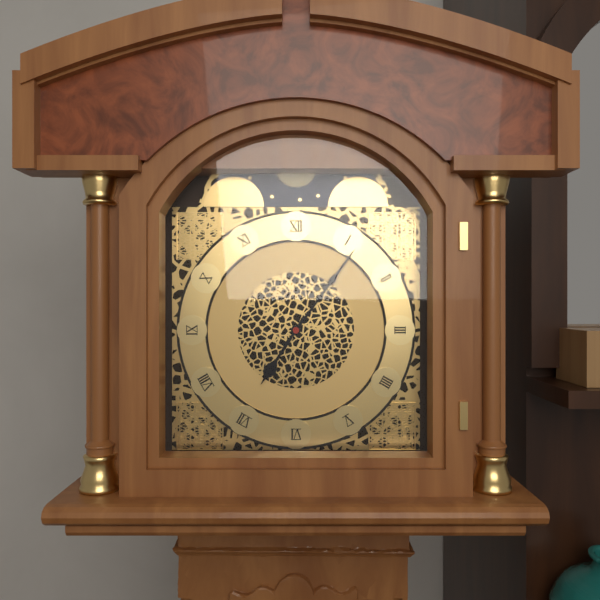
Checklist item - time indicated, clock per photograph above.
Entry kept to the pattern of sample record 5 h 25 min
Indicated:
7 h 06 min
